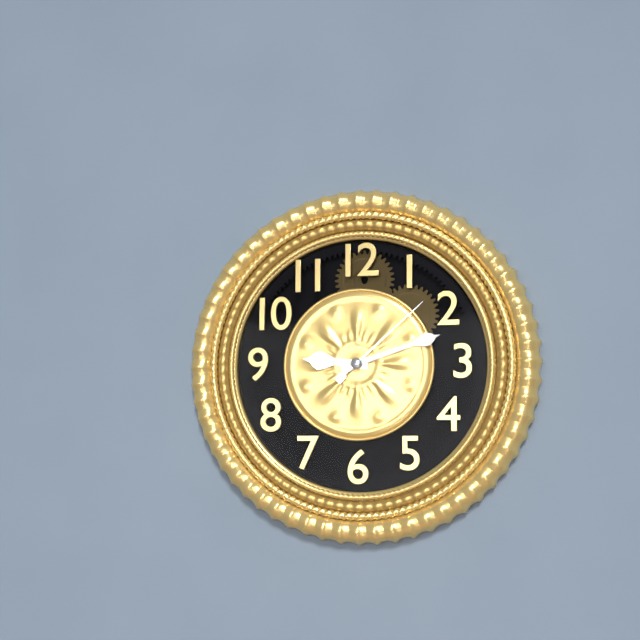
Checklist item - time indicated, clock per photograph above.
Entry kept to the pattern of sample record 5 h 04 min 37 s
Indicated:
9 h 12 min 08 s
